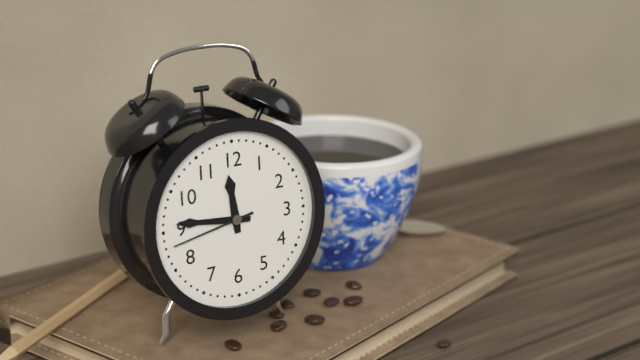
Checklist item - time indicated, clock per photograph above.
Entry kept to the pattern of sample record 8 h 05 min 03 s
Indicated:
11 h 46 min 43 s
